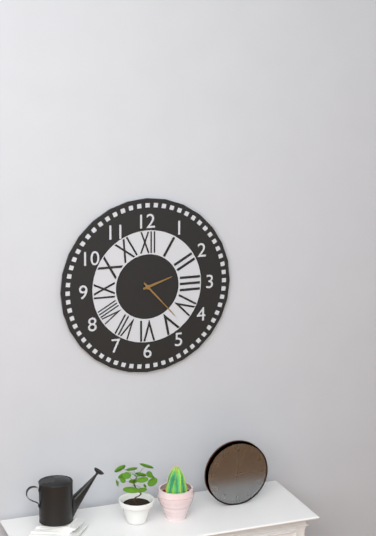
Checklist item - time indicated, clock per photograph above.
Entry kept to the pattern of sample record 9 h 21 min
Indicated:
2 h 23 min
